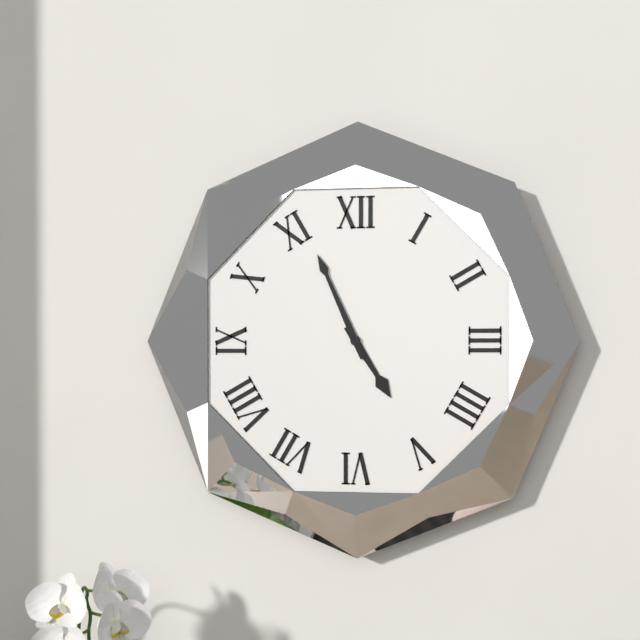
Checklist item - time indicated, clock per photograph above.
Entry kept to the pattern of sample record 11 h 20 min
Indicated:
4 h 56 min
